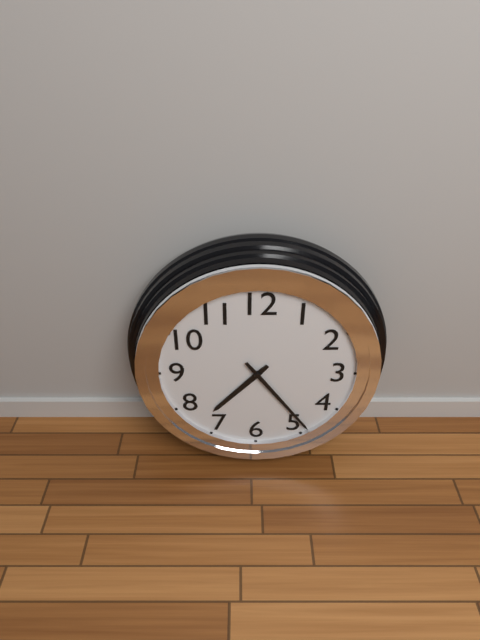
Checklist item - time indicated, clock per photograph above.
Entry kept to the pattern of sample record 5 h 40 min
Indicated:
7 h 24 min
